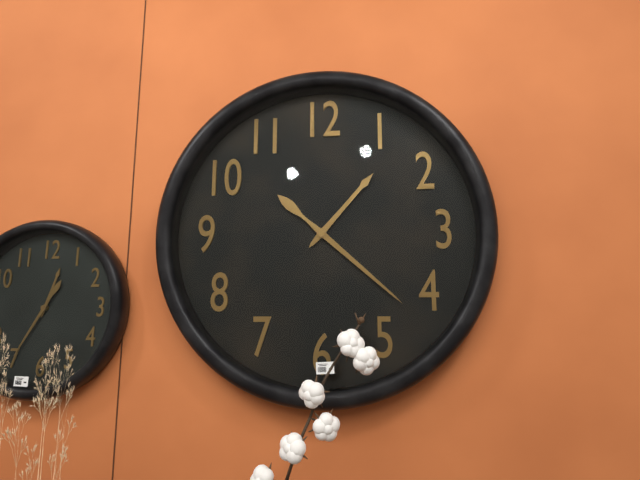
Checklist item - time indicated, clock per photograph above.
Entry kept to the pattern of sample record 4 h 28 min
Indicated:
1 h 22 min
